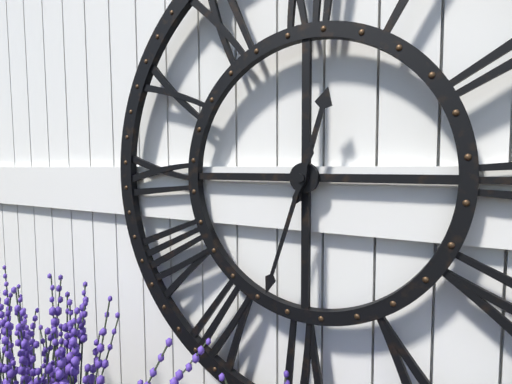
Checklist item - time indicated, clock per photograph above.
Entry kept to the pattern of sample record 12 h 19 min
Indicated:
12 h 33 min
